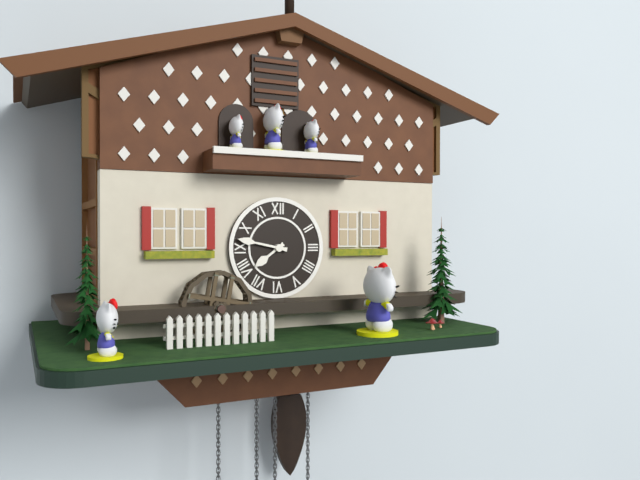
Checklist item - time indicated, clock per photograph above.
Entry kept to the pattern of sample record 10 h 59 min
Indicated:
7 h 47 min
